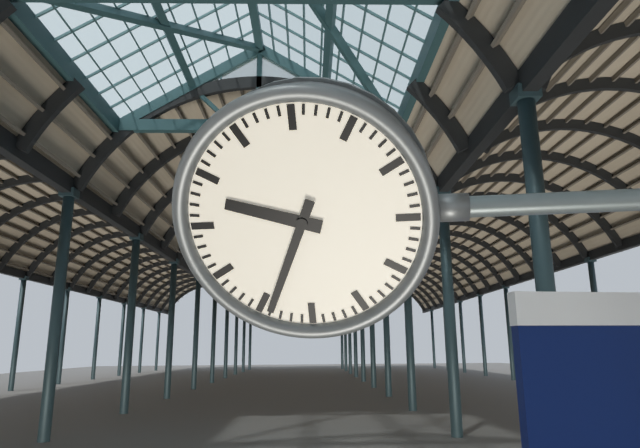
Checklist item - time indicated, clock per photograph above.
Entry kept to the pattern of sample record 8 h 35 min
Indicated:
9 h 34 min
